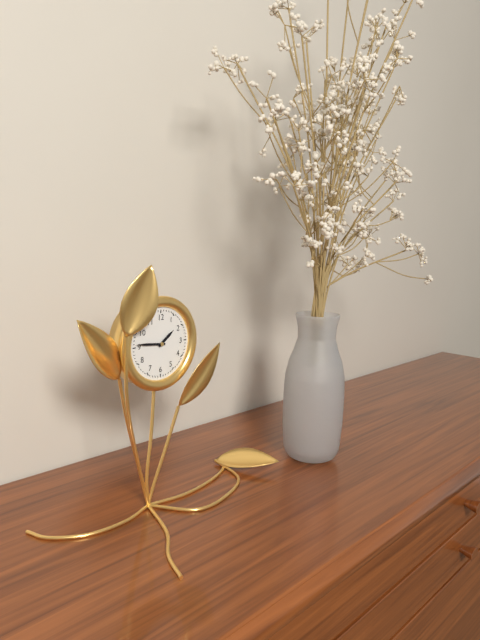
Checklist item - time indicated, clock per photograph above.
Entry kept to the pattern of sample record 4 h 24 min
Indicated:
1 h 46 min
